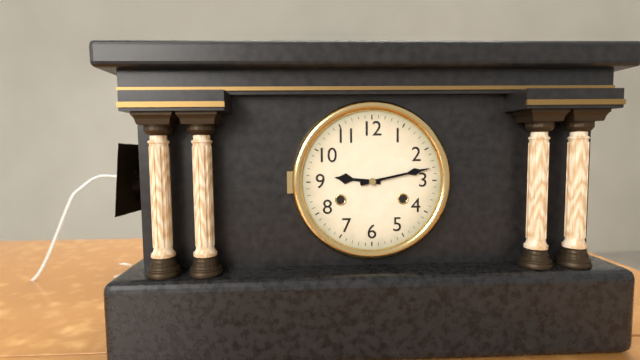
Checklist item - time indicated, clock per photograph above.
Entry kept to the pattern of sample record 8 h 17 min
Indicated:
9 h 13 min
